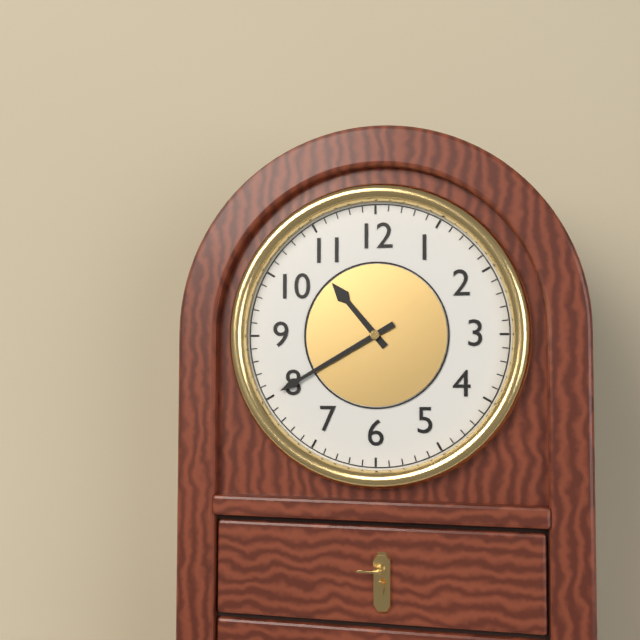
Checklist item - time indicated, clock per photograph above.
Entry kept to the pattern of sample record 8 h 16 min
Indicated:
10 h 40 min
